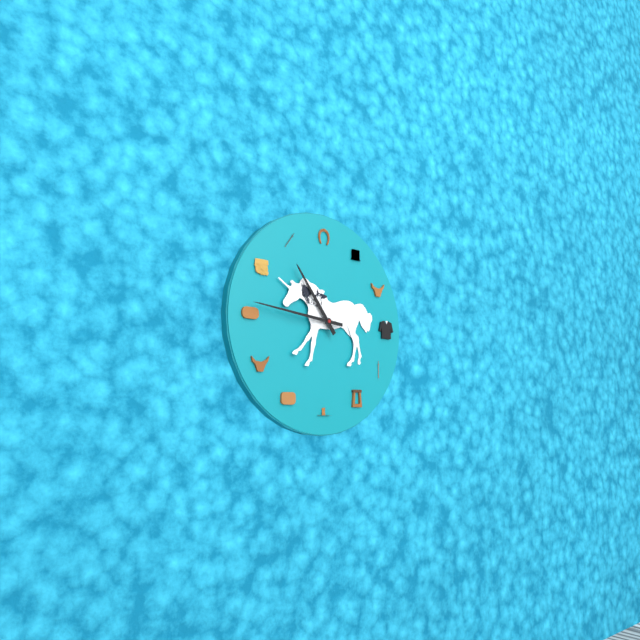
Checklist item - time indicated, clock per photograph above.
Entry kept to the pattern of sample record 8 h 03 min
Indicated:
10 h 46 min
